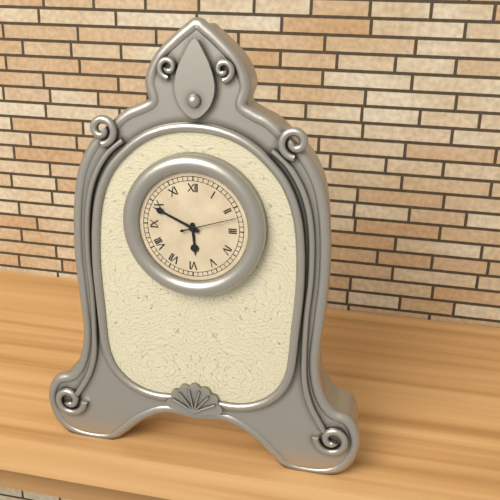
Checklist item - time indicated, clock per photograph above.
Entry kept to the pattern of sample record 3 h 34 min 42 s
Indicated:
5 h 49 min 12 s
